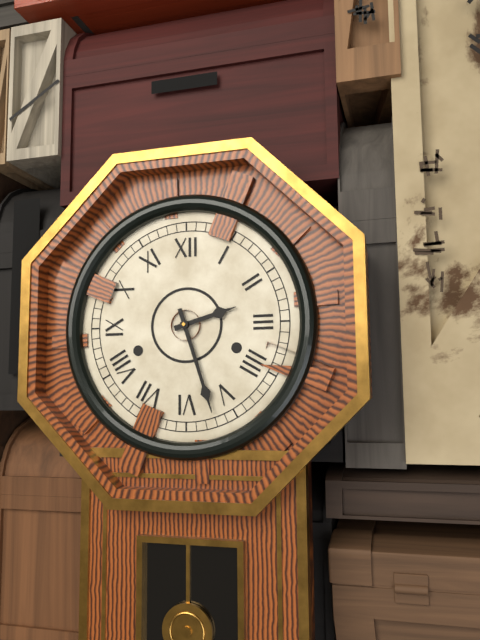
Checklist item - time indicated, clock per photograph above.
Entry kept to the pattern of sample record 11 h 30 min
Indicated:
2 h 27 min
